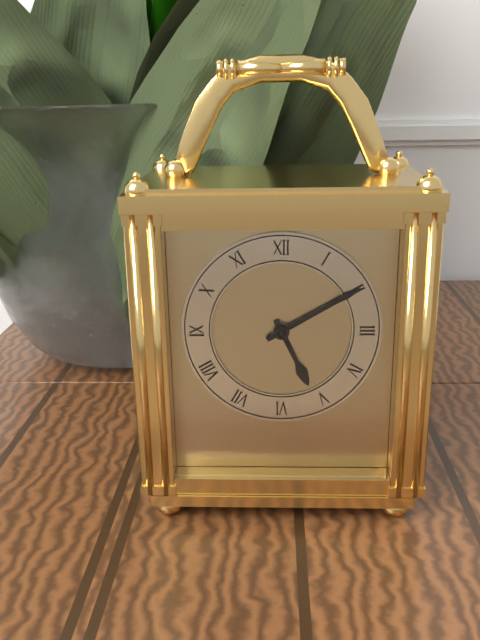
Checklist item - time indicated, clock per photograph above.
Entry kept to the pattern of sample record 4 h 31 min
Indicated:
5 h 10 min
